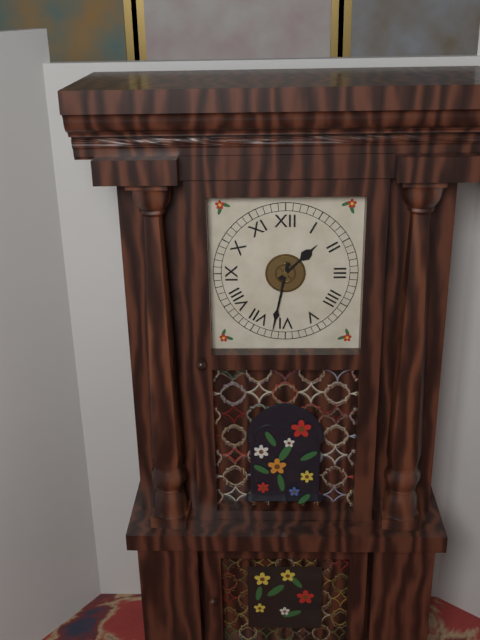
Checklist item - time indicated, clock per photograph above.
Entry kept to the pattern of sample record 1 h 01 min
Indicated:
1 h 32 min
